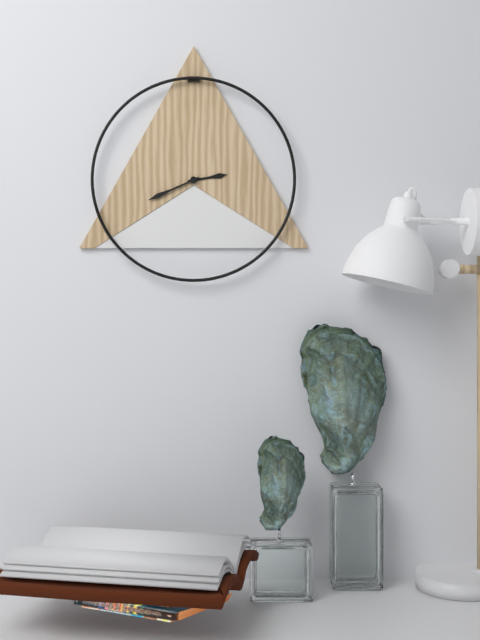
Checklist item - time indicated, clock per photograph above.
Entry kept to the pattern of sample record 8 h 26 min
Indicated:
2 h 41 min
